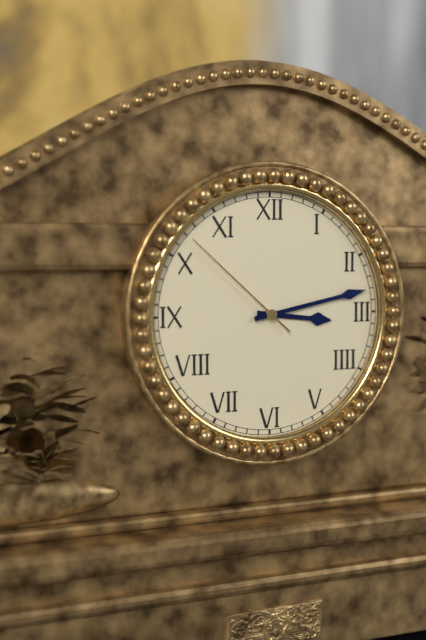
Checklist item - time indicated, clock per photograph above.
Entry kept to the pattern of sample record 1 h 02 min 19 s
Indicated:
3 h 13 min 52 s
